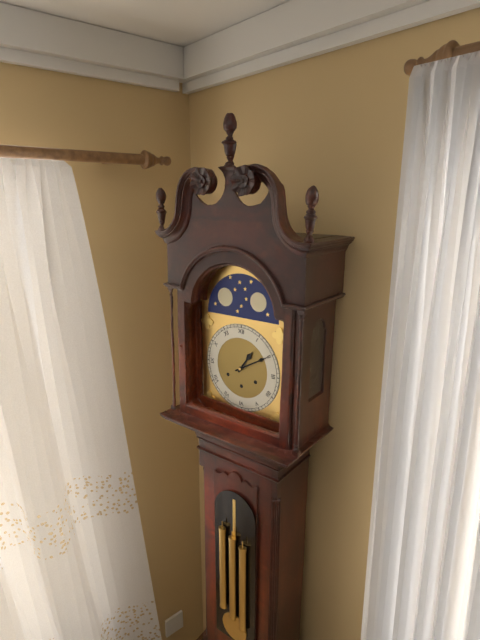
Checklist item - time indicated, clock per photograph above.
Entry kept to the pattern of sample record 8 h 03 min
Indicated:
1 h 10 min
